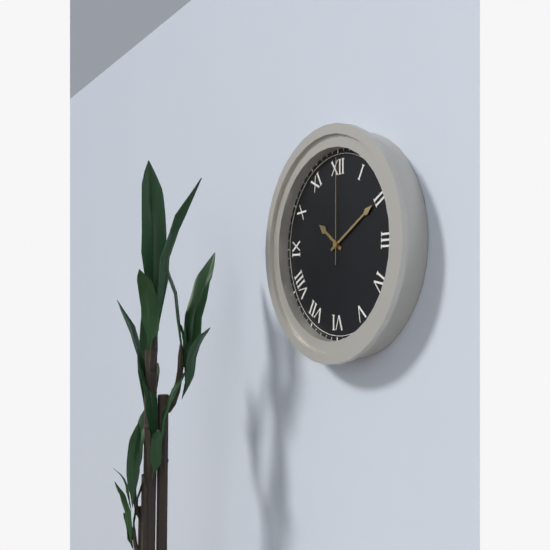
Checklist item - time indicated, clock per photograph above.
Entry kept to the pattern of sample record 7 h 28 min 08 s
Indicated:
10 h 10 min 00 s
